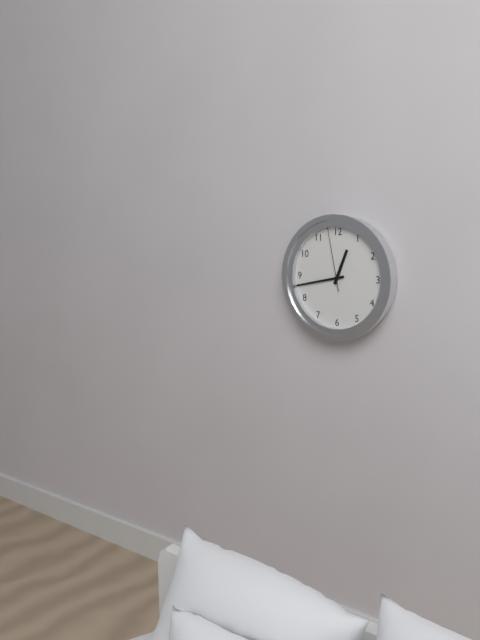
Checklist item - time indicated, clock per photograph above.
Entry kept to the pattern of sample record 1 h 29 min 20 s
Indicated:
12 h 43 min 58 s
